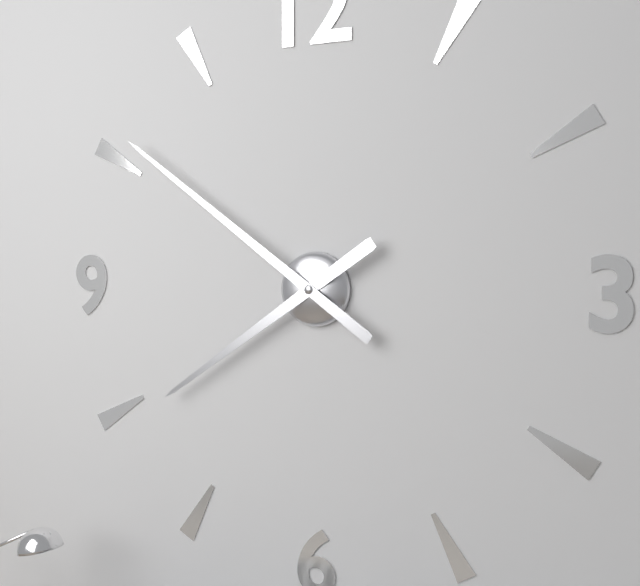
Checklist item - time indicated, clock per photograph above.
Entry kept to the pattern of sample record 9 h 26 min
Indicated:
7 h 51 min
